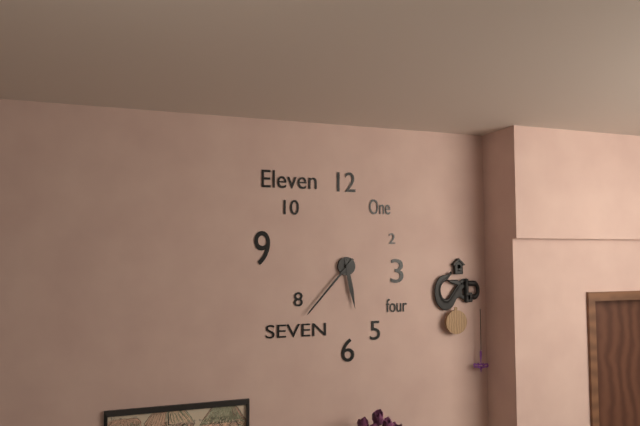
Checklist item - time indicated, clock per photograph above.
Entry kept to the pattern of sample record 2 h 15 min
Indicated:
5 h 37 min
